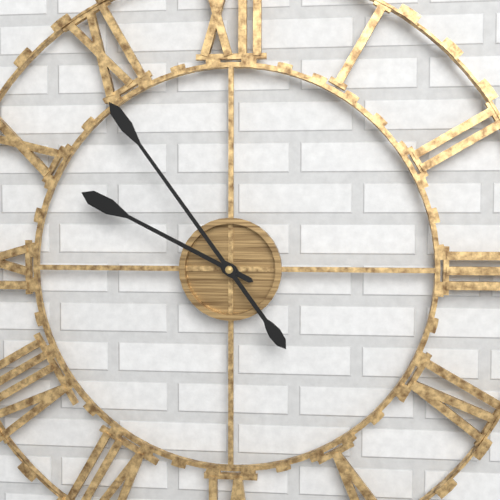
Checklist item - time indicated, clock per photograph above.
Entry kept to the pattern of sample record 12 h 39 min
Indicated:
9 h 54 min
